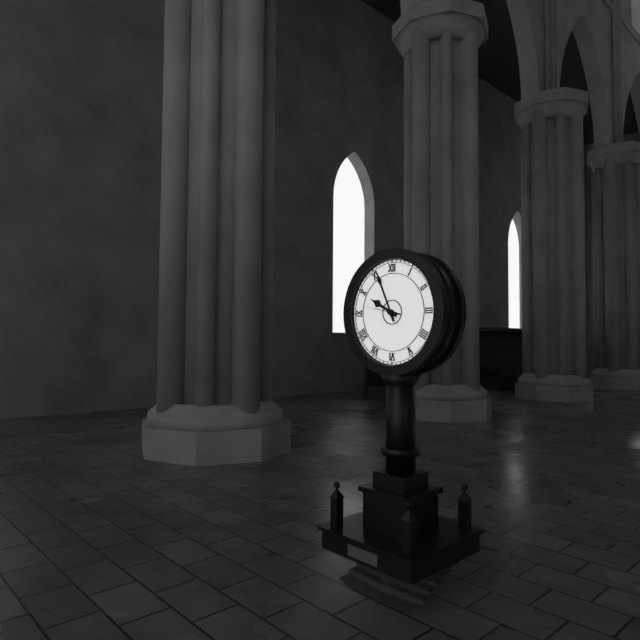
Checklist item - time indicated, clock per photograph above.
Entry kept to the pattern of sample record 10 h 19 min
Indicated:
9 h 56 min
